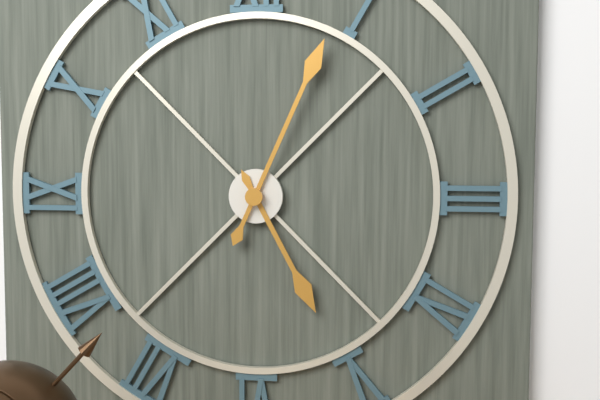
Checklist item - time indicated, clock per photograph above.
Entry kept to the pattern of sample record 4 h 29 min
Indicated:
5 h 04 min
